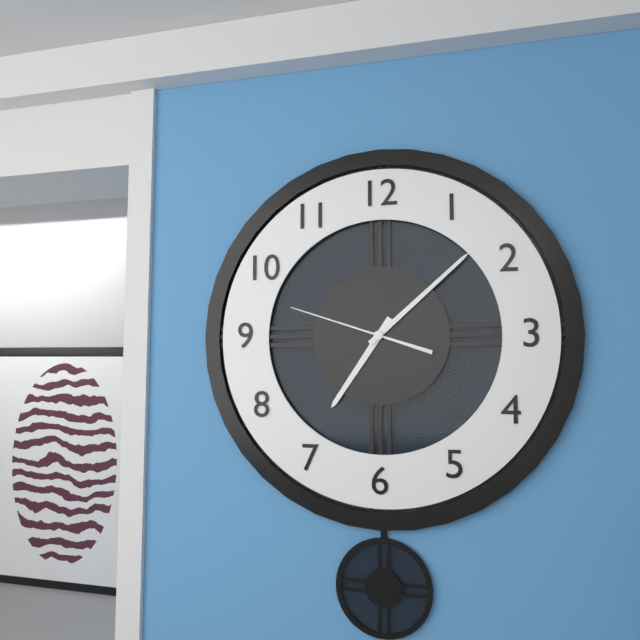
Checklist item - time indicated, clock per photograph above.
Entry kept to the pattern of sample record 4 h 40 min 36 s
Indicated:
7 h 08 min 48 s
